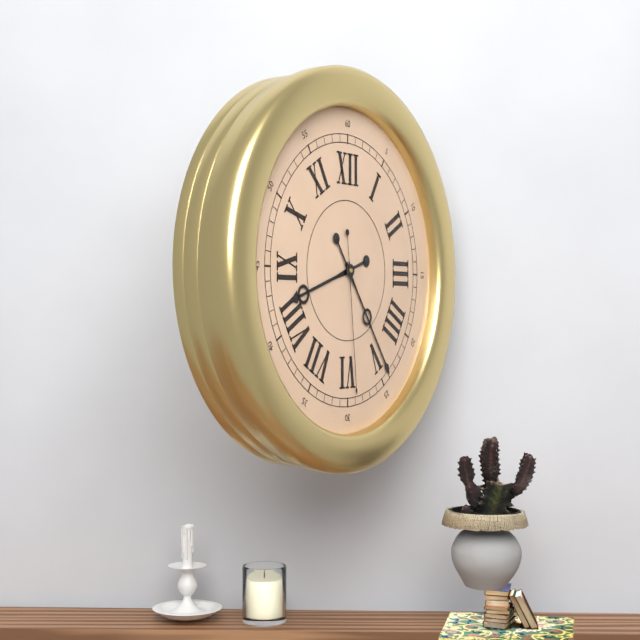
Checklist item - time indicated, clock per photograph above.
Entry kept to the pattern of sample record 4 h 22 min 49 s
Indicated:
8 h 24 min 29 s
